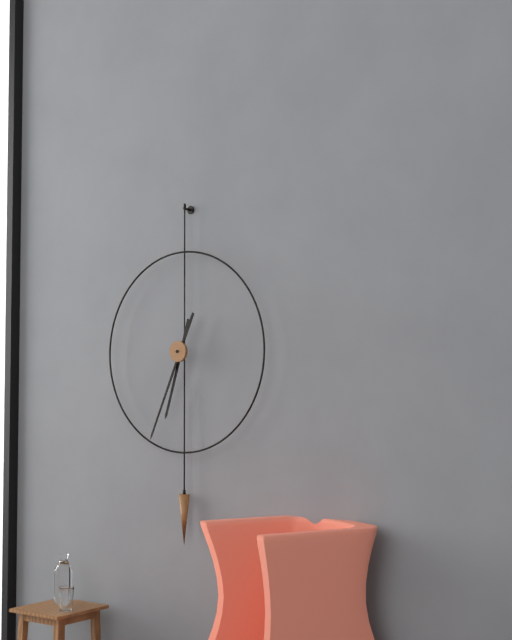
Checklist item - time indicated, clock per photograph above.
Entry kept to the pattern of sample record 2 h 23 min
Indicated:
6 h 34 min
